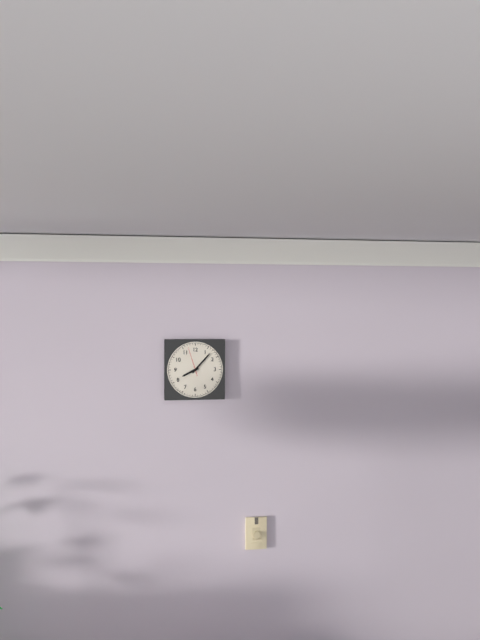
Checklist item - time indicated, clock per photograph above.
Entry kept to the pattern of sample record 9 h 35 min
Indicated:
8 h 07 min
